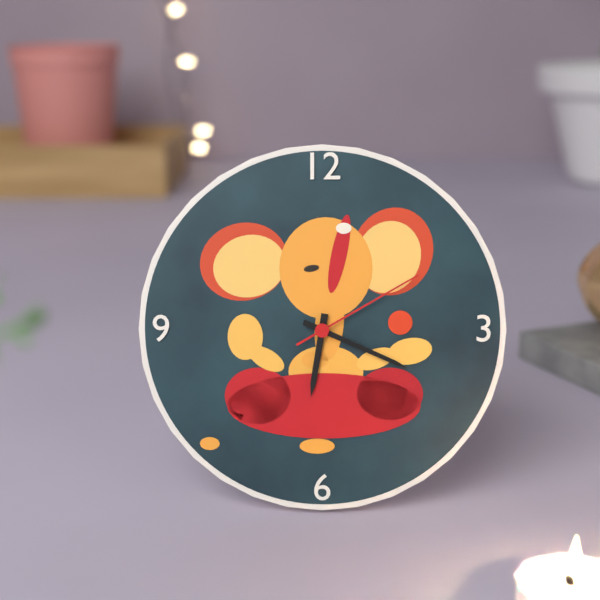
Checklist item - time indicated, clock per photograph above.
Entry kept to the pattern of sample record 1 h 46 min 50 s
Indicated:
6 h 19 min 10 s
